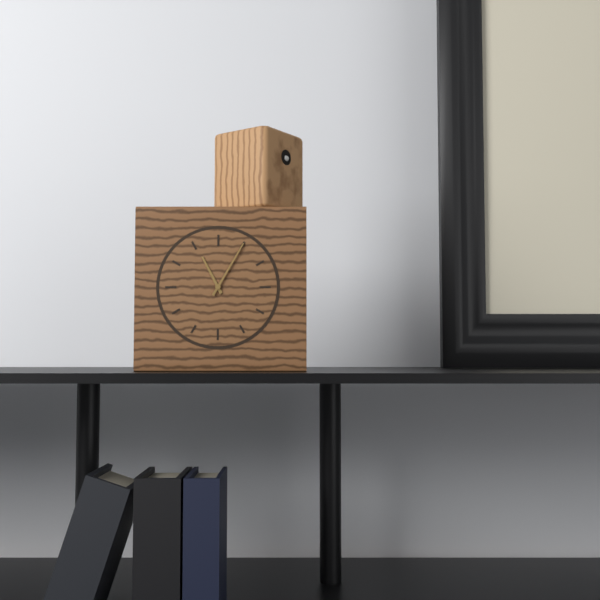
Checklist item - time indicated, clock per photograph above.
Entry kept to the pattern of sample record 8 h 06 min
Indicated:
11 h 05 min
